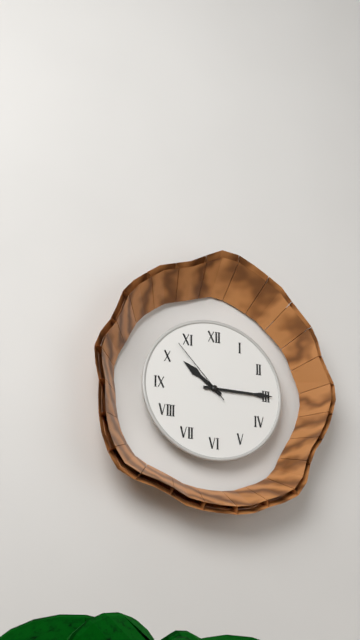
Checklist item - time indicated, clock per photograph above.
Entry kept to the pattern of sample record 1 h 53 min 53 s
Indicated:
10 h 15 min 53 s
